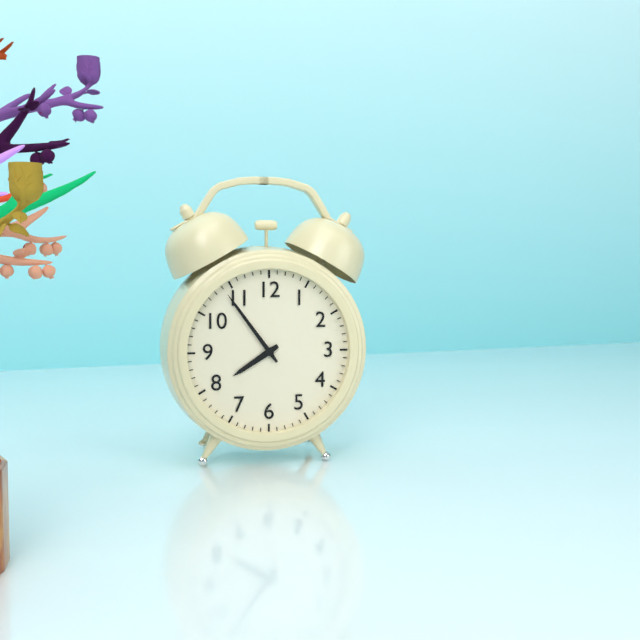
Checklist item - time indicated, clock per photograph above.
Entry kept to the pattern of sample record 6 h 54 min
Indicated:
7 h 54 min
